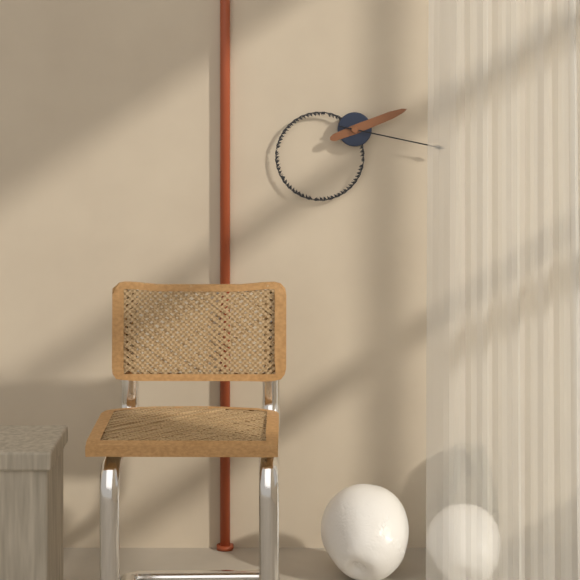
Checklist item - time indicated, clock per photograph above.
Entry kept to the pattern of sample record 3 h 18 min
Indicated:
2 h 17 min
